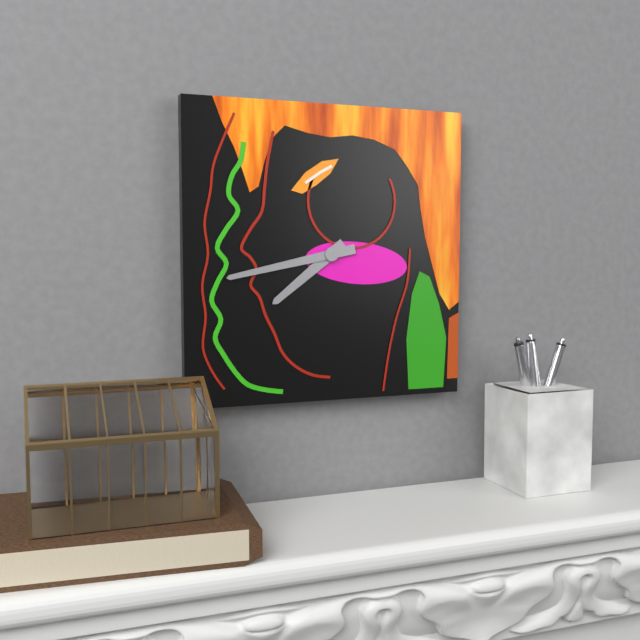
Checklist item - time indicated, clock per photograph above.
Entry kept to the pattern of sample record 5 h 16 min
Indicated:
7 h 43 min
